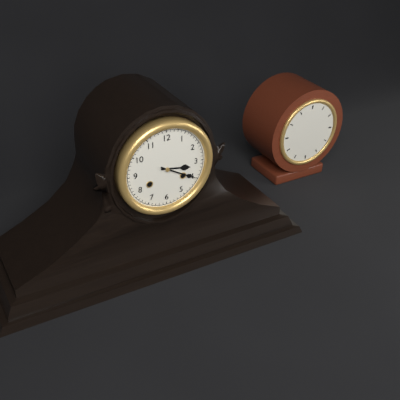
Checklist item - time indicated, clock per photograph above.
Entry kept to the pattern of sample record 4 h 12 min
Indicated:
3 h 20 min
